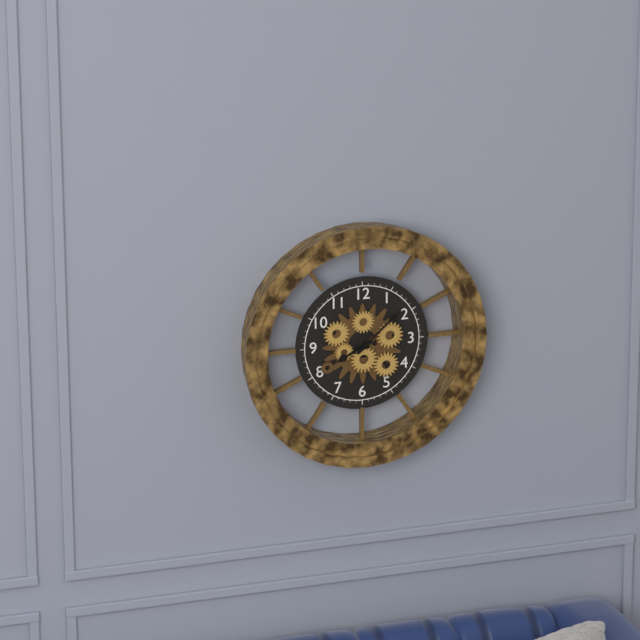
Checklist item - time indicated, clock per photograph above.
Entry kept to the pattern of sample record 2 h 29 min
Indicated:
8 h 08 min
